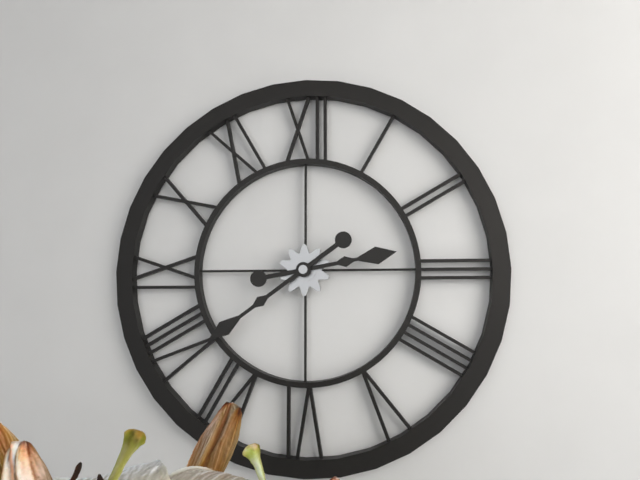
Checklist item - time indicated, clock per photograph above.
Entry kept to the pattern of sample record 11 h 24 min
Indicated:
2 h 39 min
